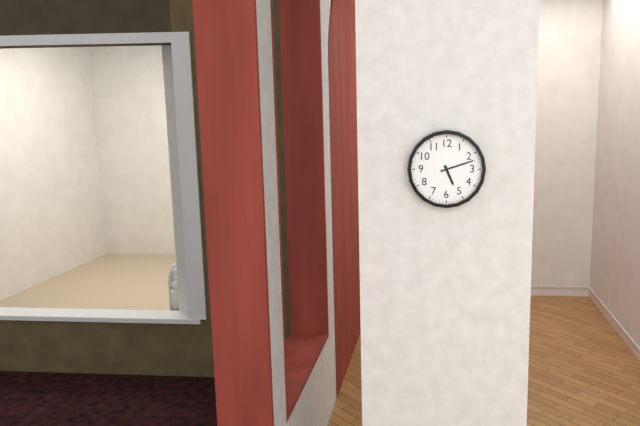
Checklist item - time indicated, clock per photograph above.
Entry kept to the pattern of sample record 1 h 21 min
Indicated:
5 h 12 min
